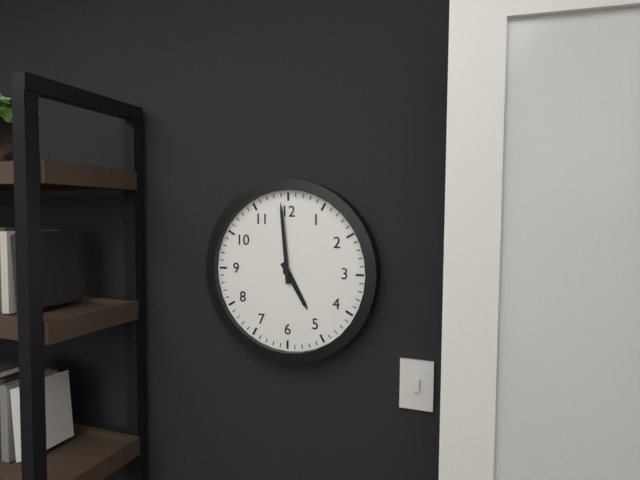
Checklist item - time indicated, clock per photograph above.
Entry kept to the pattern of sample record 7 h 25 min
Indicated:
4 h 59 min
